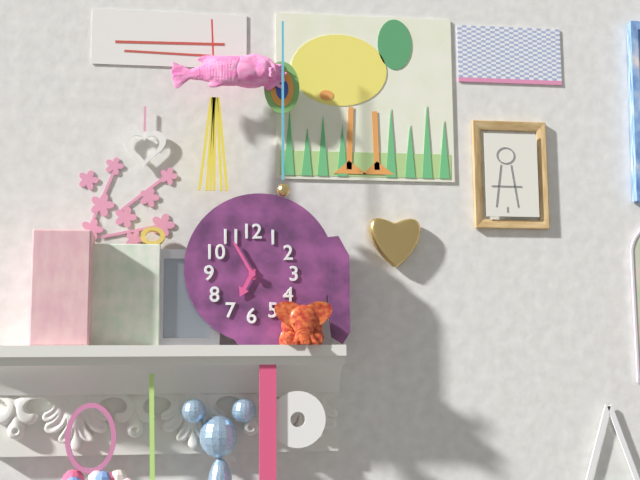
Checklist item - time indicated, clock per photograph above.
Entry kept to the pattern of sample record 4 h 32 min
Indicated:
6 h 55 min
